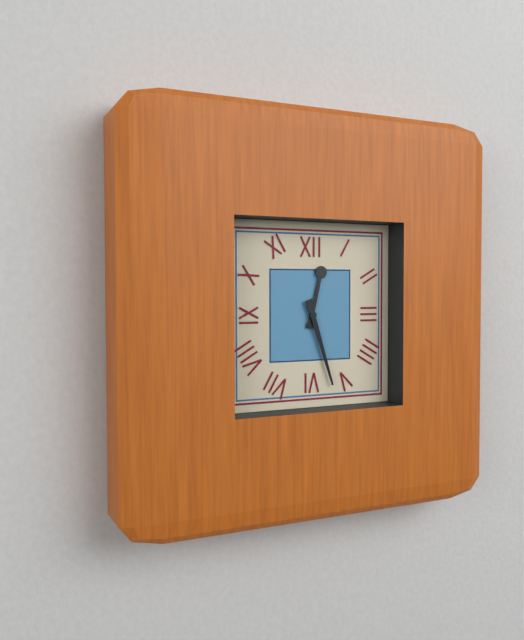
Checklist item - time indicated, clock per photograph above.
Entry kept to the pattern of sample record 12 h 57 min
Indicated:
12 h 27 min
